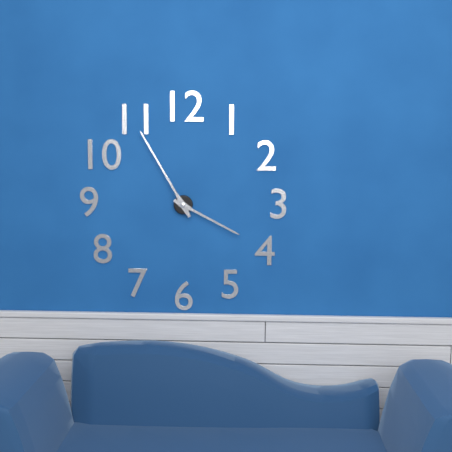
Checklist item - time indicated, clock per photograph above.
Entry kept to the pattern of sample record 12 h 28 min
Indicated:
3 h 55 min
